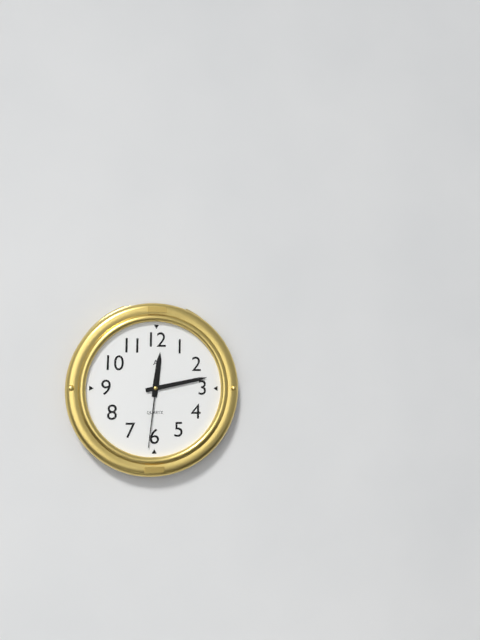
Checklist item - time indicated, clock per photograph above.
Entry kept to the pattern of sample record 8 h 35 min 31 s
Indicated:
12 h 13 min 31 s
